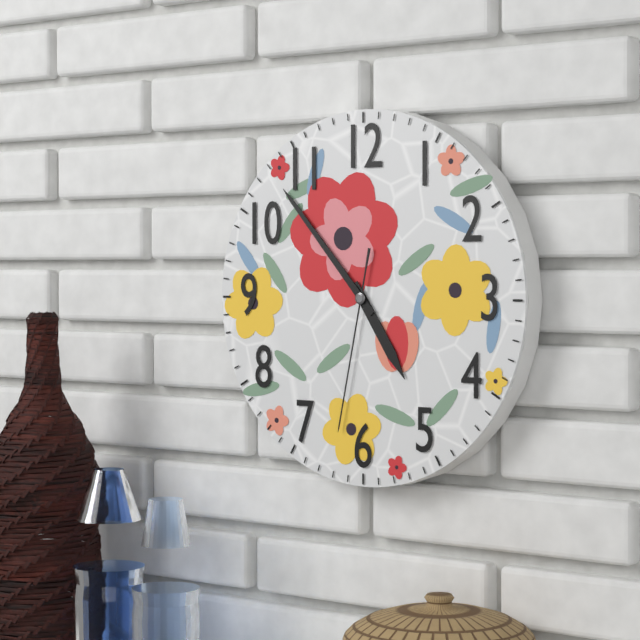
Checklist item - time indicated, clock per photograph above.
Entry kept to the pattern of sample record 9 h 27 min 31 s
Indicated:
4 h 53 min 32 s
